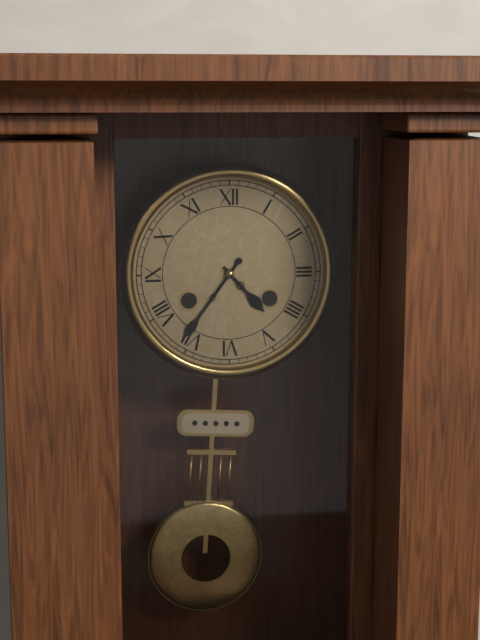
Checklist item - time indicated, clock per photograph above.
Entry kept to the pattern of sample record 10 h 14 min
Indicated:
4 h 36 min
